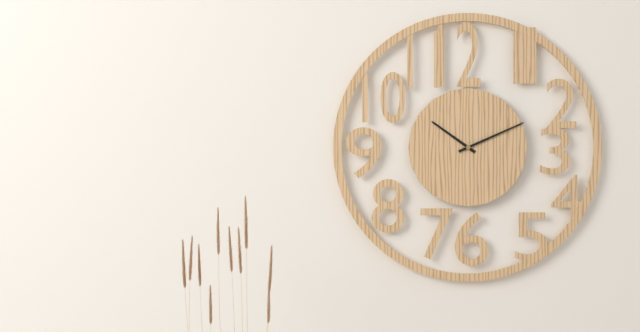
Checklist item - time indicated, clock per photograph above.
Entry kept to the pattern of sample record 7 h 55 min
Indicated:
10 h 11 min
